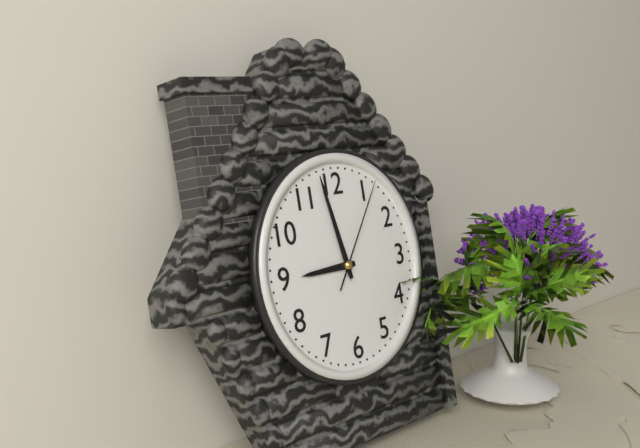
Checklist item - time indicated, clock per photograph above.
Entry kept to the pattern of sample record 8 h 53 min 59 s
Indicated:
8 h 58 min 06 s
